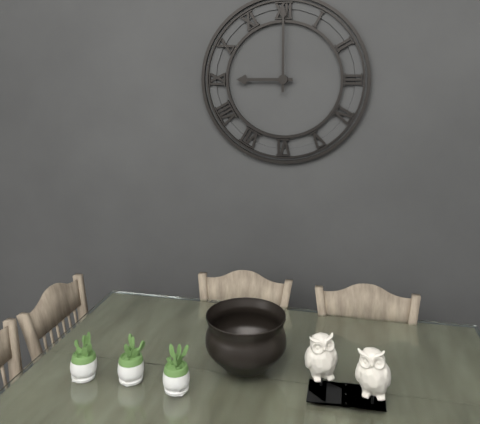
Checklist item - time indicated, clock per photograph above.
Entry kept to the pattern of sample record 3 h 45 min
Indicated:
9 h 00 min
